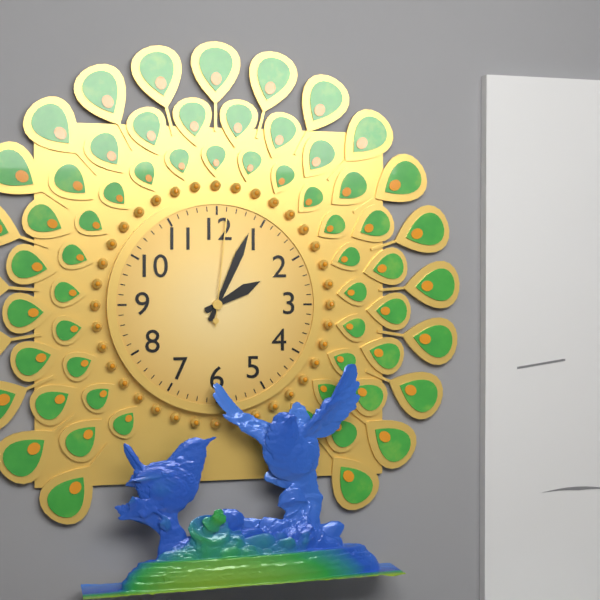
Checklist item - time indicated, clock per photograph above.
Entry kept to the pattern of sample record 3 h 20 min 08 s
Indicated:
2 h 04 min 01 s
